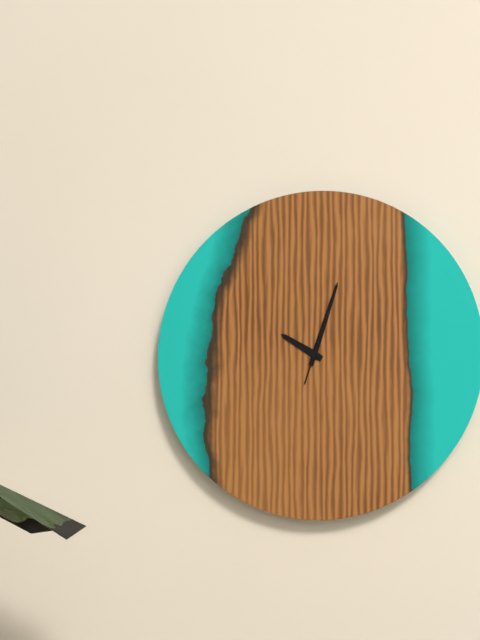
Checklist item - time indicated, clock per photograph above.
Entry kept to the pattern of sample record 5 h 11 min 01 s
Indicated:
10 h 03 min 03 s
